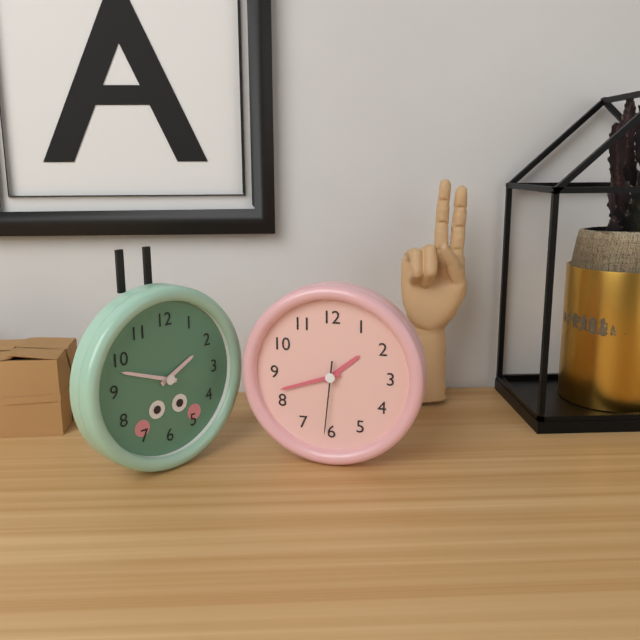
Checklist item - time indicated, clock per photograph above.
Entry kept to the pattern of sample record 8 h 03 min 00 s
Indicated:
1 h 42 min 31 s
